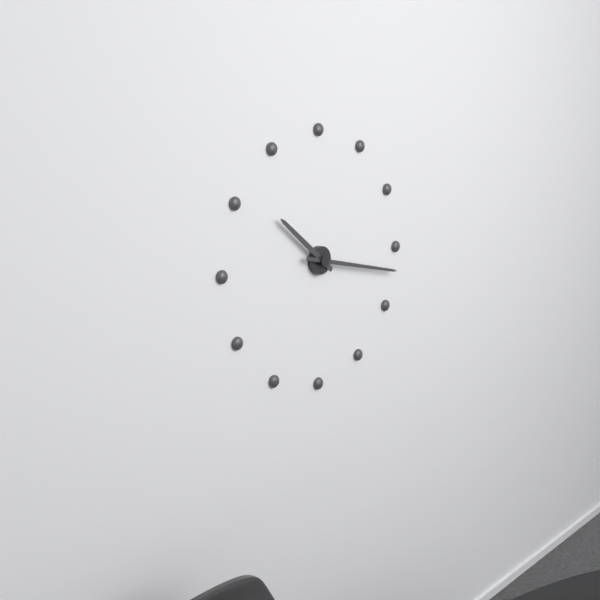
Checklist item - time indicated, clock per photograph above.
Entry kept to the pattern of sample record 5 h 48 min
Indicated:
10 h 17 min
